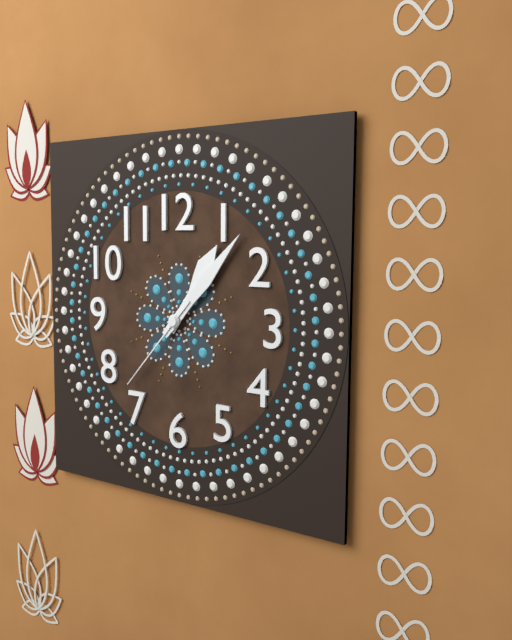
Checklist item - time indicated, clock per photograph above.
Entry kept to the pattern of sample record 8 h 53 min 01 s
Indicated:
1 h 07 min 37 s
